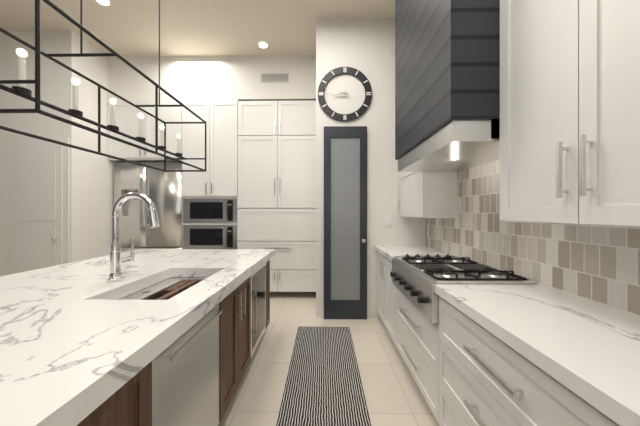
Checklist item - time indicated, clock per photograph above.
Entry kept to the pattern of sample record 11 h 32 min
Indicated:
8 h 47 min
